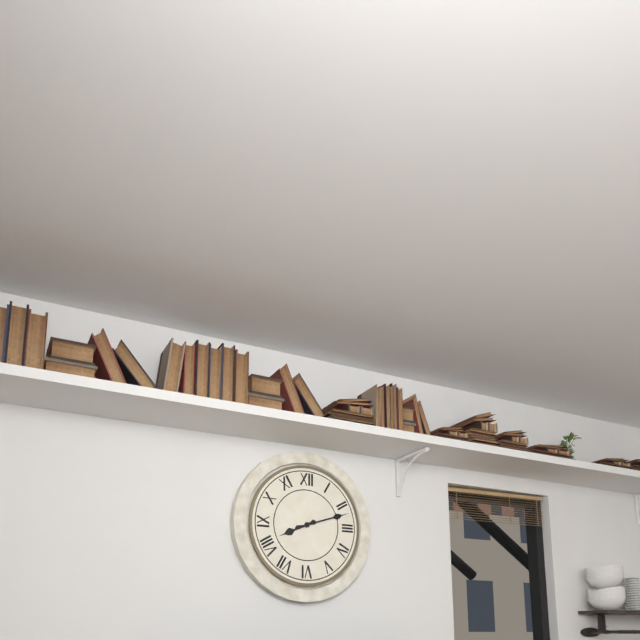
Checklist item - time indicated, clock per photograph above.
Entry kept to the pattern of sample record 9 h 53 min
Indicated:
8 h 12 min
